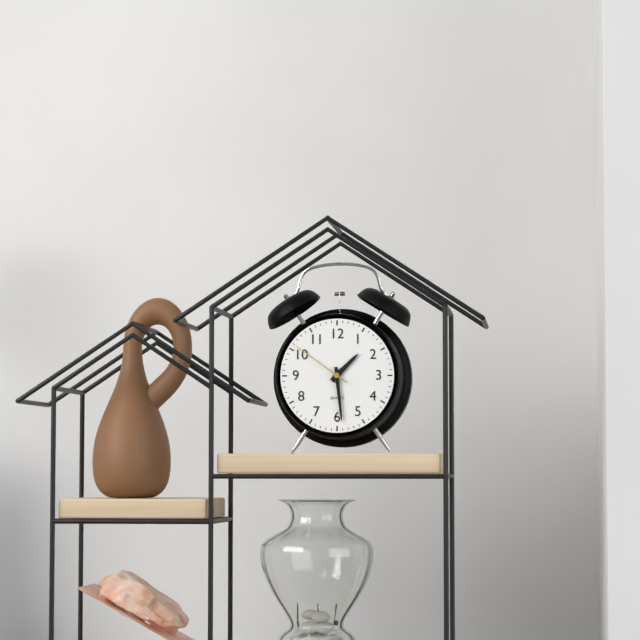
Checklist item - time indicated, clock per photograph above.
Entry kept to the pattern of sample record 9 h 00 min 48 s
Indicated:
1 h 29 min 51 s
